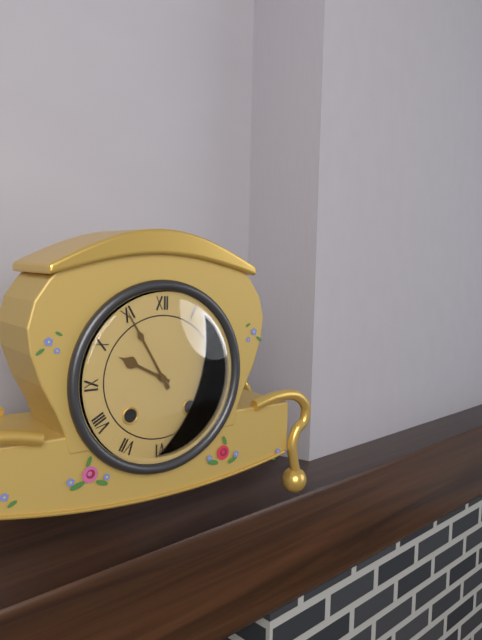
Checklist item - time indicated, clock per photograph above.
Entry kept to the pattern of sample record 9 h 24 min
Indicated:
9 h 55 min
